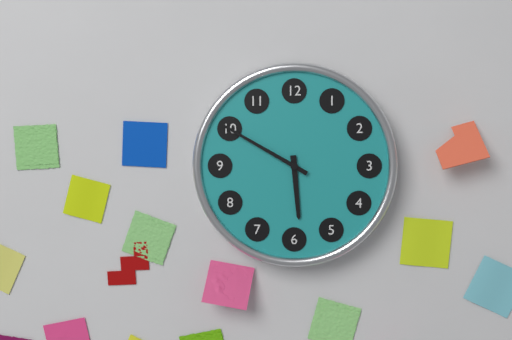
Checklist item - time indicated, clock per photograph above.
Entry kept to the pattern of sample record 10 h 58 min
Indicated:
5 h 50 min
